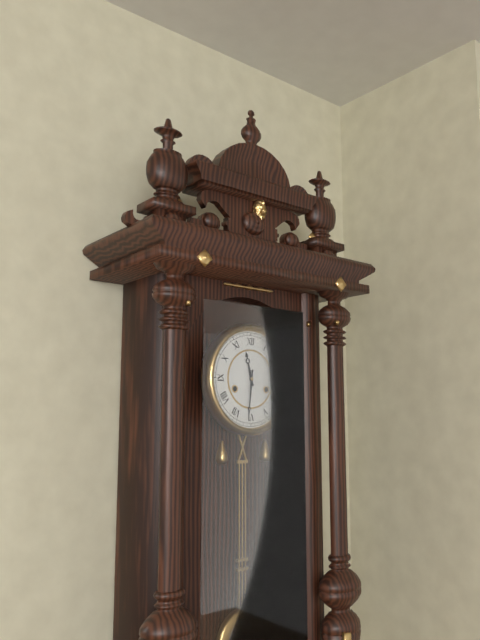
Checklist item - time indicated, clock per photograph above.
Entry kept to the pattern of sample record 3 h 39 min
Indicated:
11 h 31 min
